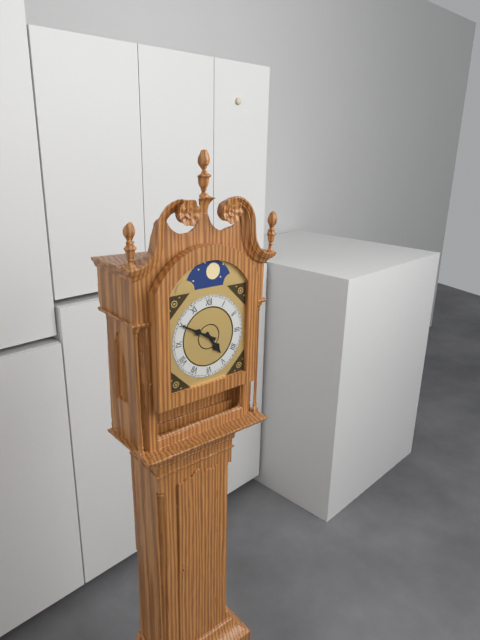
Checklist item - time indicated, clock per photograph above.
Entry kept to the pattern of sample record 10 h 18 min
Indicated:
4 h 50 min
